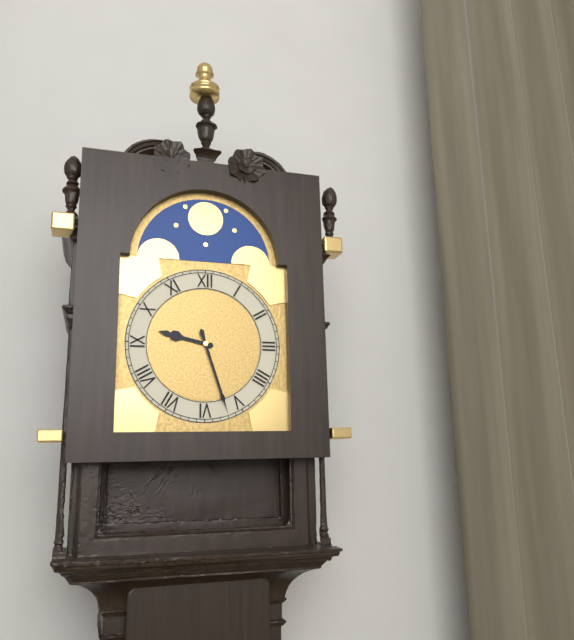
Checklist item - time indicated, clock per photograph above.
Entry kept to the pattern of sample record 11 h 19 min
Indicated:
9 h 27 min
